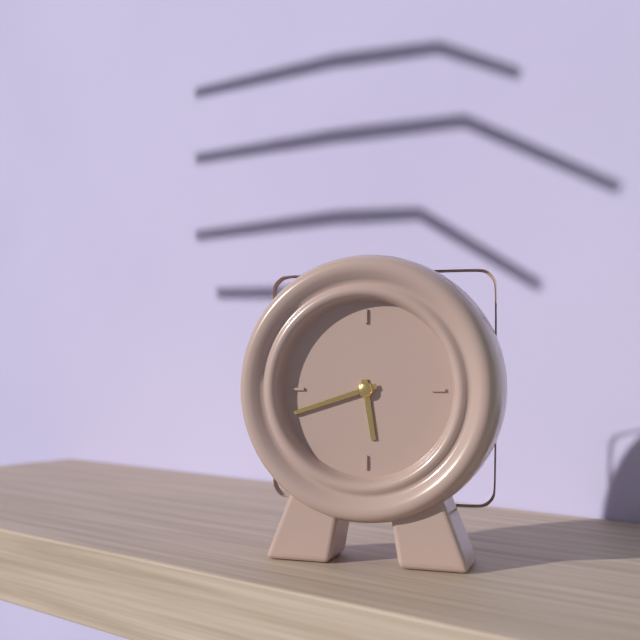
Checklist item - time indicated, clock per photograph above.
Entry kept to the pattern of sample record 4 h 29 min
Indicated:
5 h 42 min
